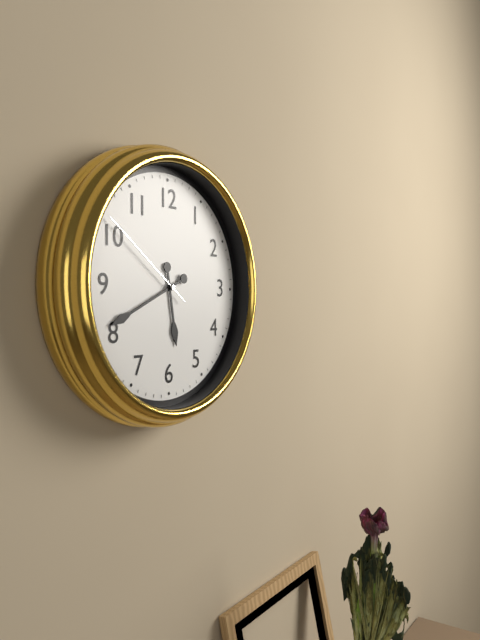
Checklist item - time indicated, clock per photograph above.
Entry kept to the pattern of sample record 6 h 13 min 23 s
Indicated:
5 h 41 min 51 s
